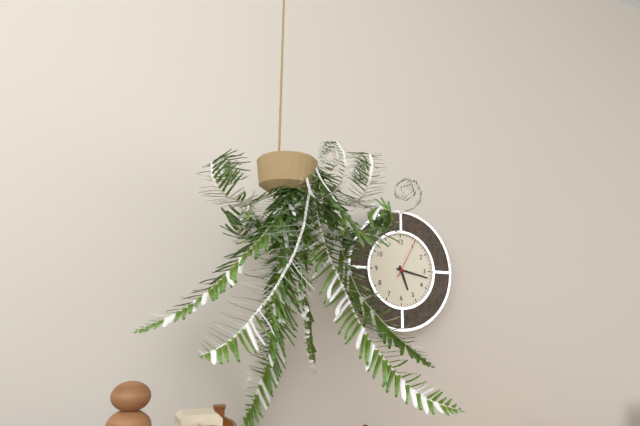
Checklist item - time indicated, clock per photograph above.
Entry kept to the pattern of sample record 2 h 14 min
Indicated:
5 h 17 min
